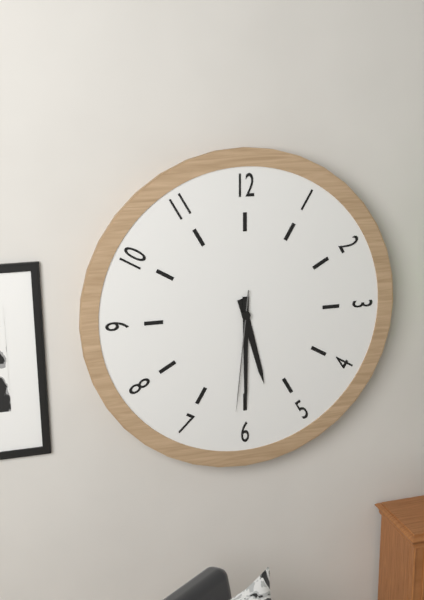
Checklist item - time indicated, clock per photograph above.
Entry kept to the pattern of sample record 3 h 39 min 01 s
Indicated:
5 h 30 min 31 s
